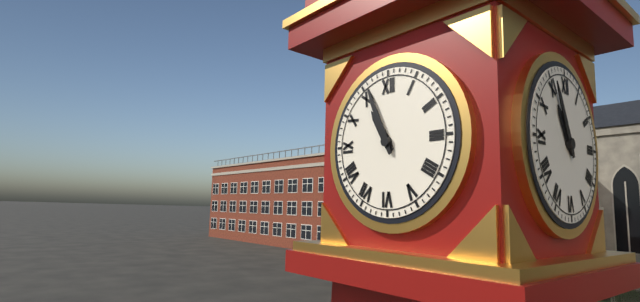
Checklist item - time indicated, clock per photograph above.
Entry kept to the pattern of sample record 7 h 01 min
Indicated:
10 h 56 min
